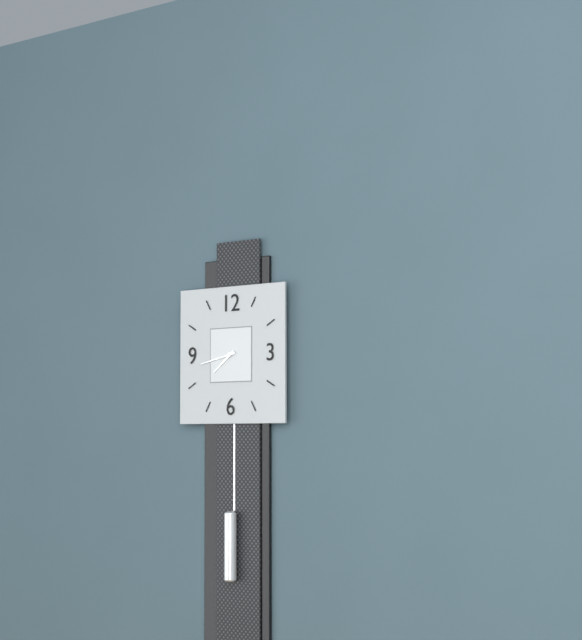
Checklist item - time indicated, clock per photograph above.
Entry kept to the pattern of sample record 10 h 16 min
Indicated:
7 h 43 min
